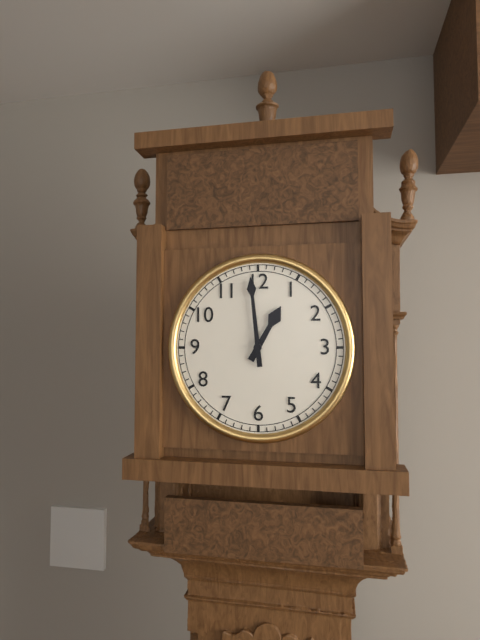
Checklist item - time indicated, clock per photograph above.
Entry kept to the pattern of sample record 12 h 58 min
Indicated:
12 h 59 min
